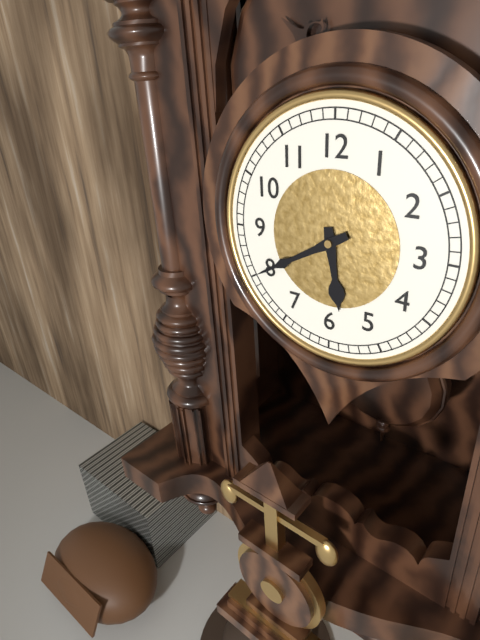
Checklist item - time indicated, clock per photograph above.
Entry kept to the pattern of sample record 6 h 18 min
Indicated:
5 h 40 min
